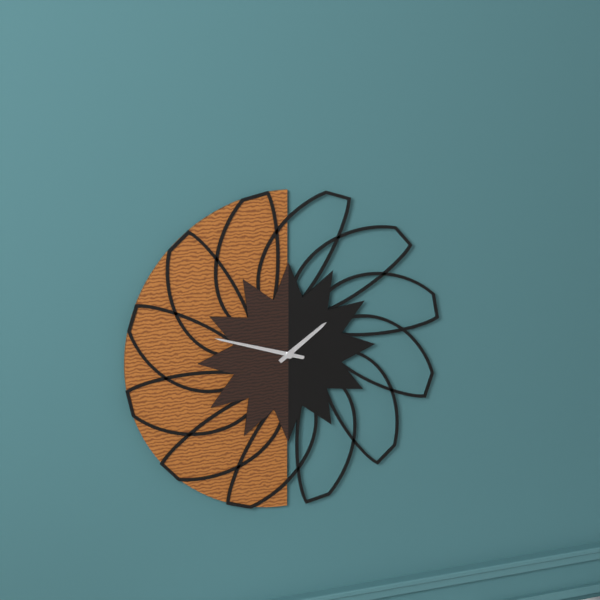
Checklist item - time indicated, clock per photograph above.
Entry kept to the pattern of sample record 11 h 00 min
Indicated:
1 h 48 min
